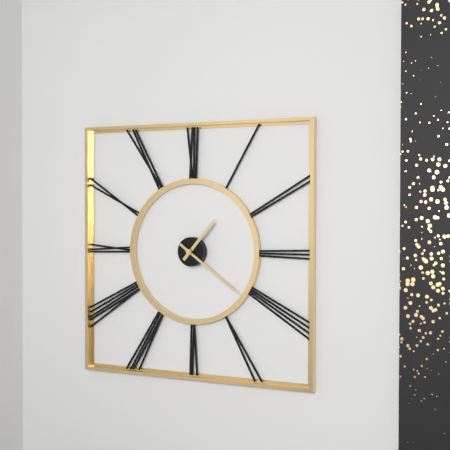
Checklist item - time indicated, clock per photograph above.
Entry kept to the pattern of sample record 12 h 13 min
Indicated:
1 h 21 min
